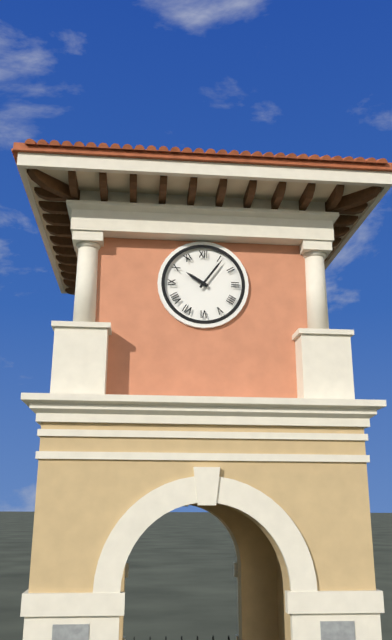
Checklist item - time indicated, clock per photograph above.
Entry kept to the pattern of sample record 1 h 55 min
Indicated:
10 h 06 min
